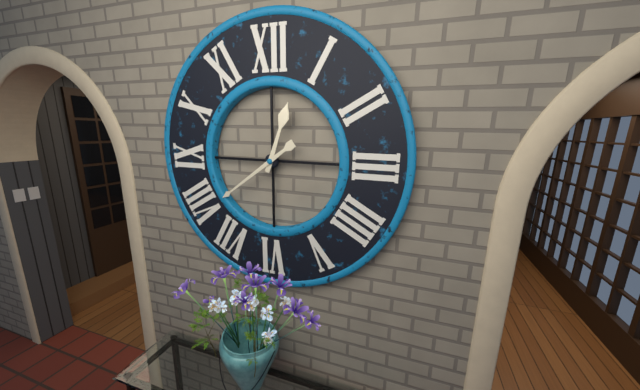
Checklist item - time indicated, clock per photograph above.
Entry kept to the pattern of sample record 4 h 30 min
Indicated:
12 h 39 min
